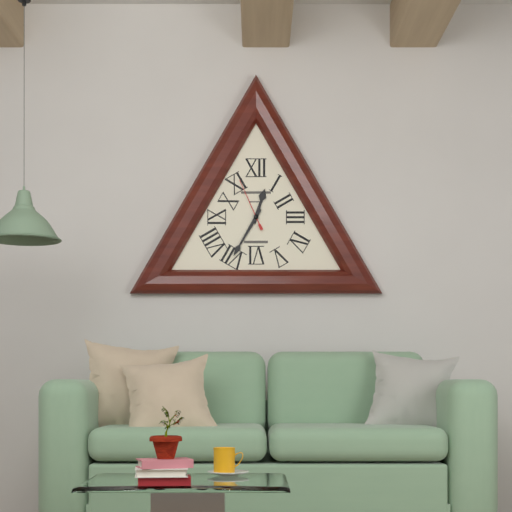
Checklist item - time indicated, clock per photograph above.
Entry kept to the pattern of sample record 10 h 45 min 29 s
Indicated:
12 h 35 min 56 s
